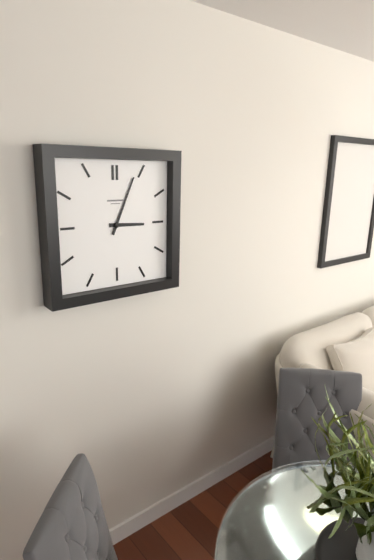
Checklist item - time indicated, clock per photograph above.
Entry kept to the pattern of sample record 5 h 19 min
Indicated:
3 h 04 min
